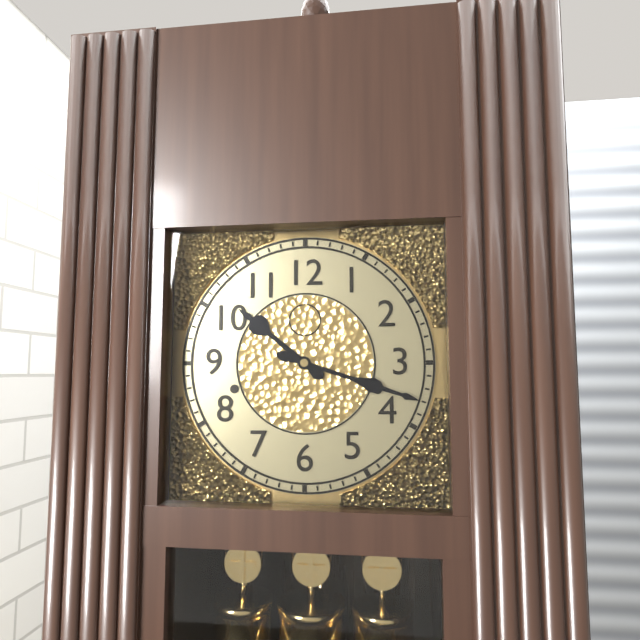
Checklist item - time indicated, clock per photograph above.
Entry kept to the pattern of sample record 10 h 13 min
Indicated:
10 h 18 min
